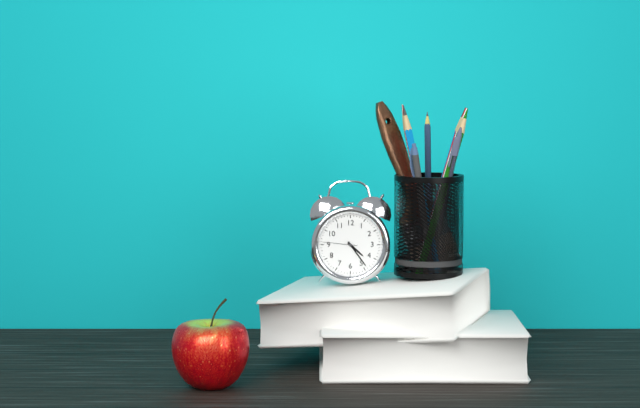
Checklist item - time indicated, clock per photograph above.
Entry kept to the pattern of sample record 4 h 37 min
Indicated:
4 h 24 min
